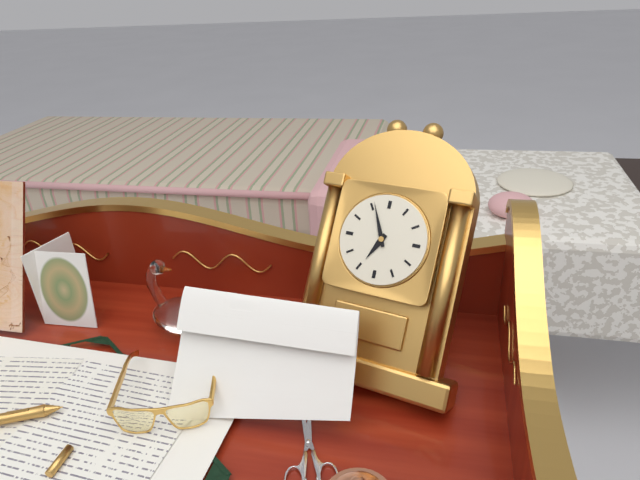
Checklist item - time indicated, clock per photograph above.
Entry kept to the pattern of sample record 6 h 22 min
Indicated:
6 h 56 min
